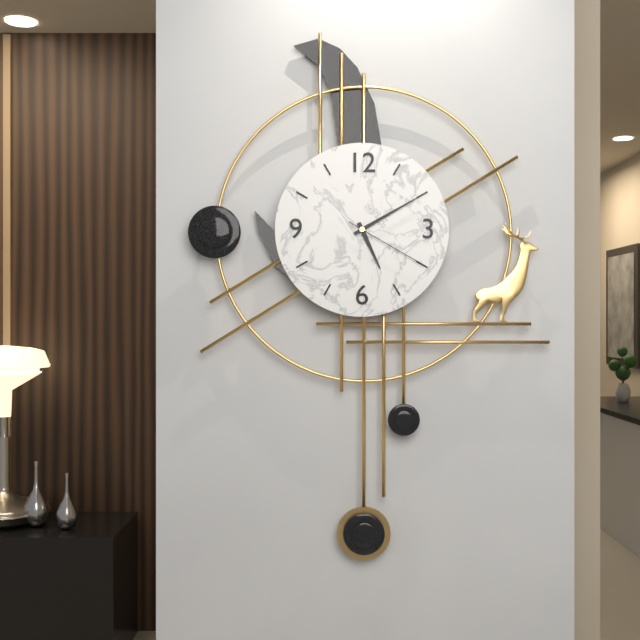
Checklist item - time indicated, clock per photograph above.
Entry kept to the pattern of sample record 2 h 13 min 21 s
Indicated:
5 h 10 min 20 s
